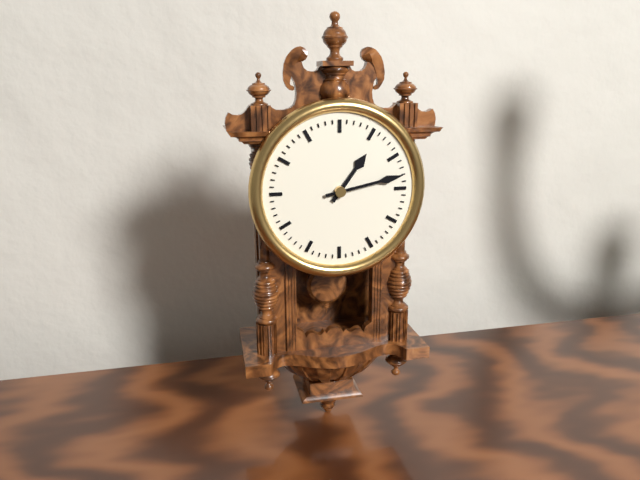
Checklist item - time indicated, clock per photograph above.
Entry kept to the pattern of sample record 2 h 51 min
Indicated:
1 h 13 min
